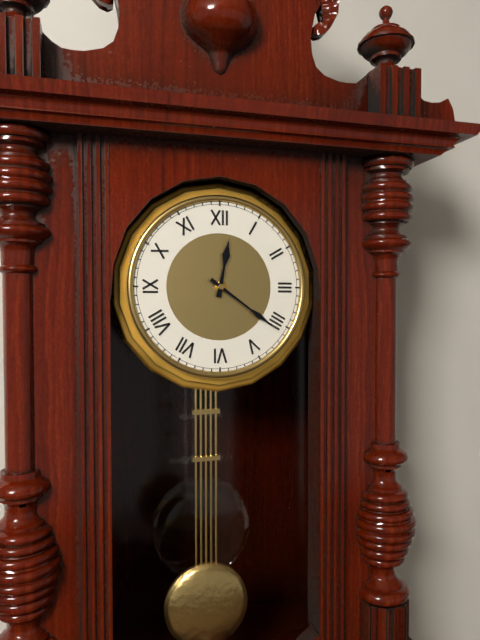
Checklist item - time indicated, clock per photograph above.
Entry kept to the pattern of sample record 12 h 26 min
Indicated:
12 h 21 min
